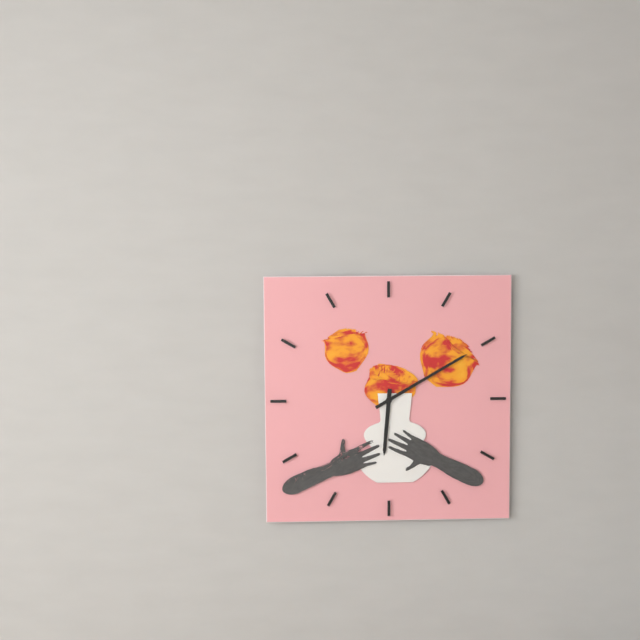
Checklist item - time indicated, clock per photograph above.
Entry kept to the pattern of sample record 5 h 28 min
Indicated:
6 h 10 min
